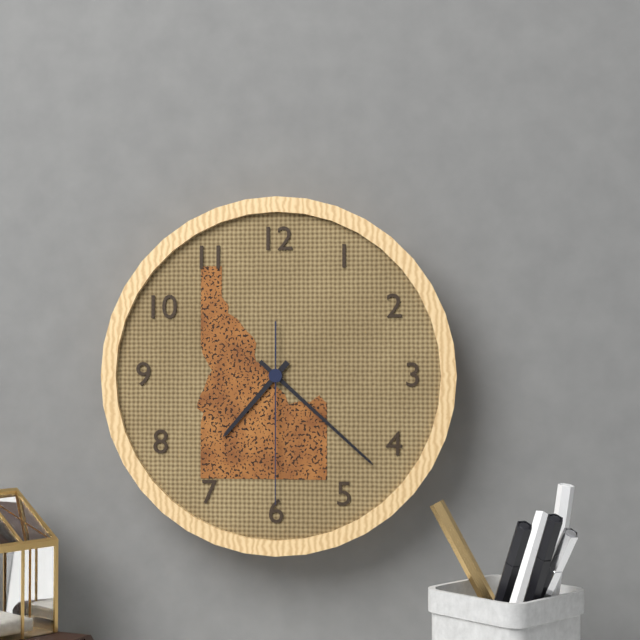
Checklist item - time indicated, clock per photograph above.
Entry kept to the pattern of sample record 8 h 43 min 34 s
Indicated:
7 h 22 min 30 s
